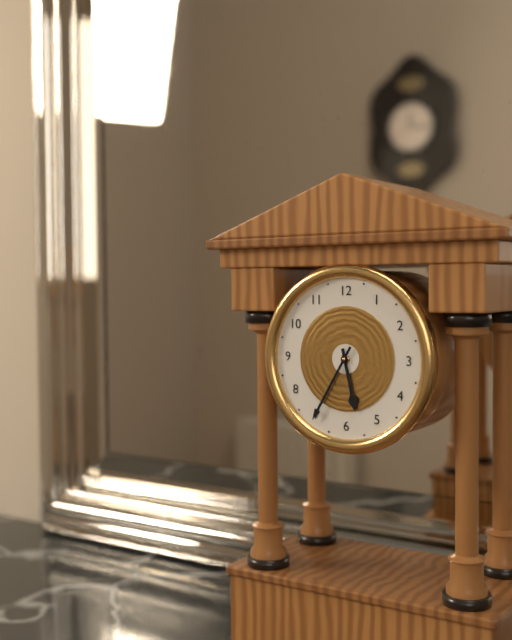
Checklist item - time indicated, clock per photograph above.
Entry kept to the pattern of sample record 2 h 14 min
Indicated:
5 h 35 min
